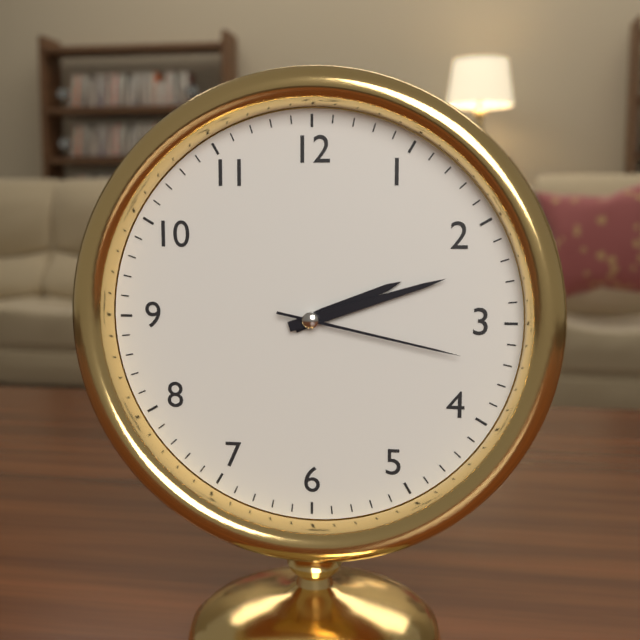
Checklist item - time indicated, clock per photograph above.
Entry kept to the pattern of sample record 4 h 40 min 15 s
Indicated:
2 h 12 min 17 s
